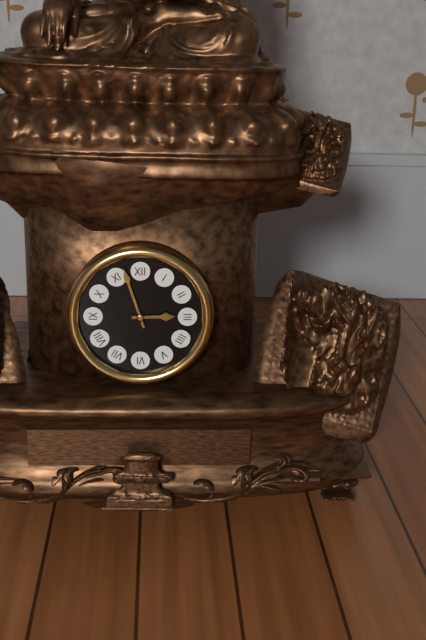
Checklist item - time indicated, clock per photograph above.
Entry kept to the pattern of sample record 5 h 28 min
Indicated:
2 h 57 min
